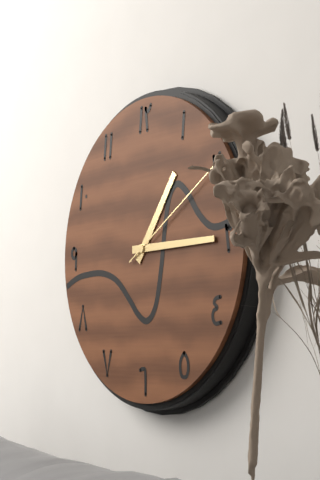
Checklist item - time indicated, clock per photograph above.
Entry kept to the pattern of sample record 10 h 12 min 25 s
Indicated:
1 h 15 min 10 s
